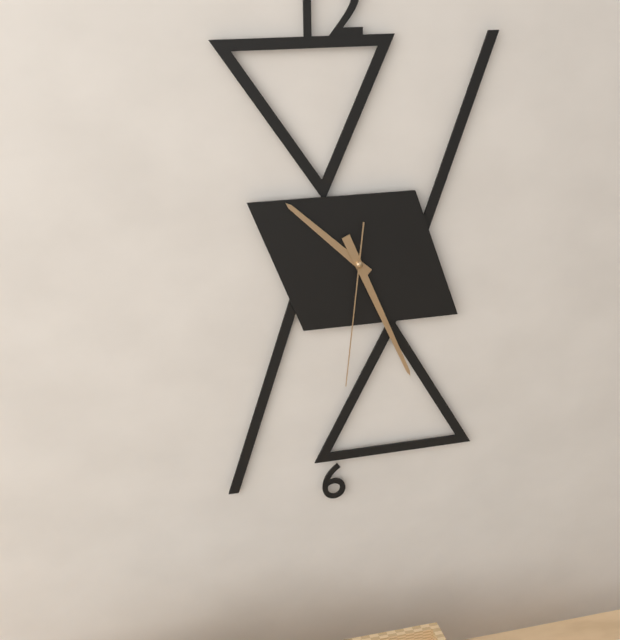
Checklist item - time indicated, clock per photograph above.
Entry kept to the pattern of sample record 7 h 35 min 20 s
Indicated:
10 h 26 min 31 s
